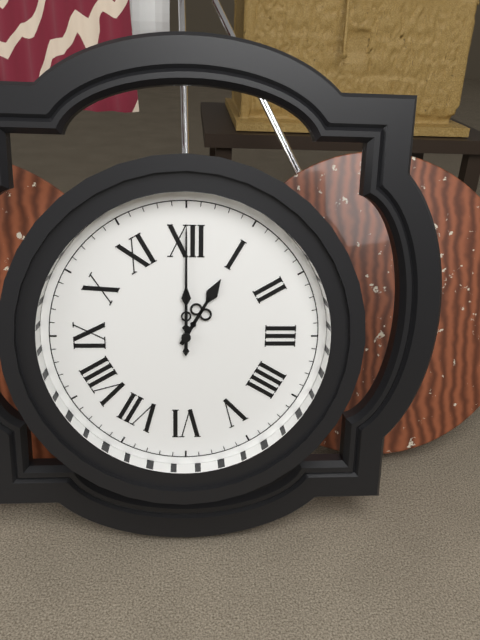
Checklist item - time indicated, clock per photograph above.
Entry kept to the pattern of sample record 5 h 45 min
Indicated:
1 h 00 min
